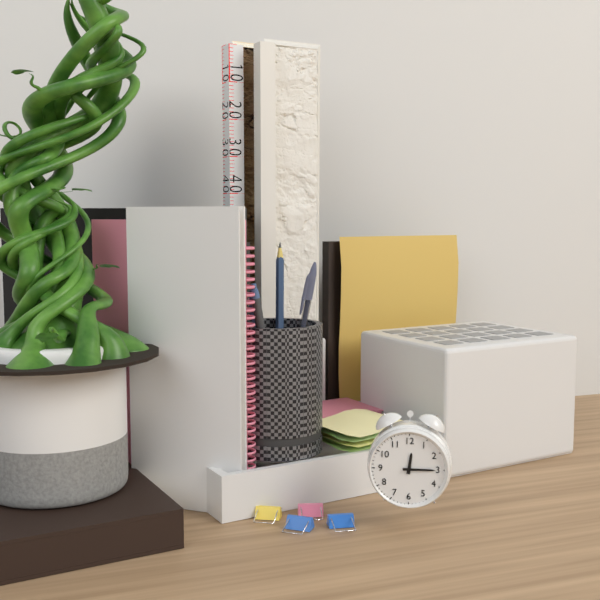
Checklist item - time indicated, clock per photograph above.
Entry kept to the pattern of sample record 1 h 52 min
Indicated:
12 h 15 min
